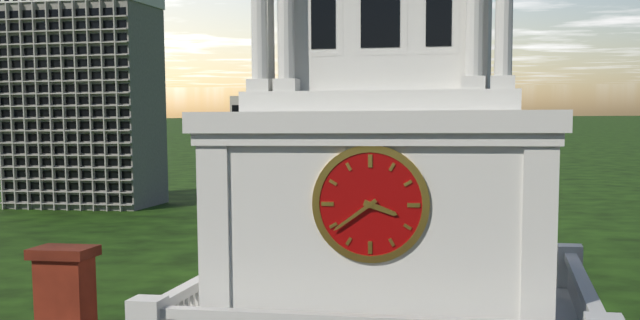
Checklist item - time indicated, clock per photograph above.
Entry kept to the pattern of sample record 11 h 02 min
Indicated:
3 h 39 min
